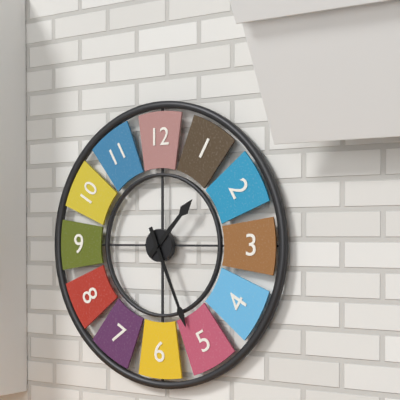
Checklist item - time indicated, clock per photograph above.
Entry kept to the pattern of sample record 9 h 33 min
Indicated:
1 h 26 min
